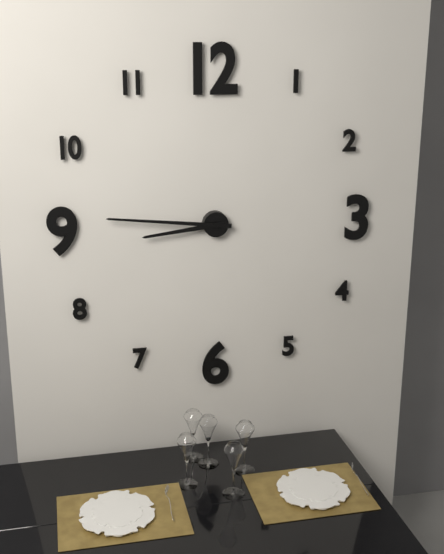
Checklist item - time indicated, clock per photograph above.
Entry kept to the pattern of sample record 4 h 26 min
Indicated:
8 h 46 min
